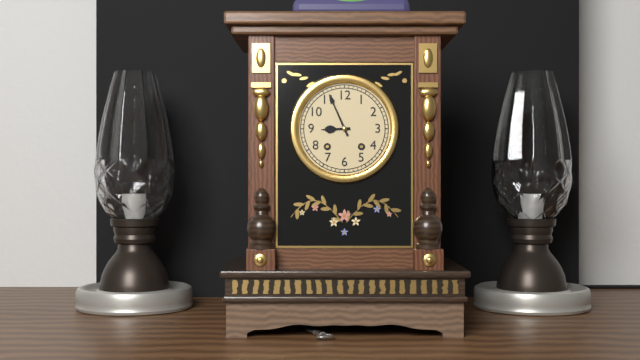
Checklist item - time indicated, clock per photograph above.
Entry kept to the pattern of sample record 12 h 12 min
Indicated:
8 h 56 min
